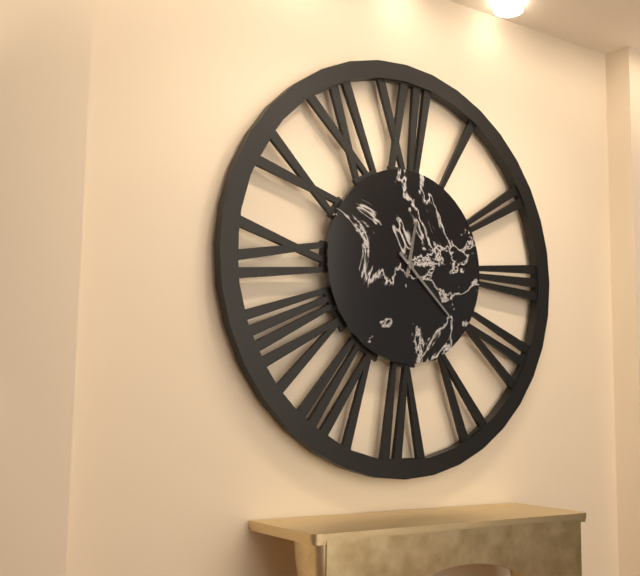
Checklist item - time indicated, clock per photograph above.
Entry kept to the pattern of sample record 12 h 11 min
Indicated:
12 h 22 min
